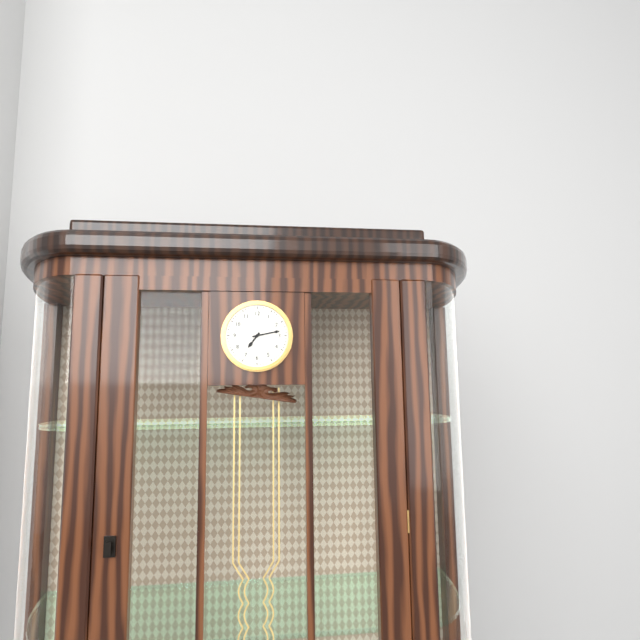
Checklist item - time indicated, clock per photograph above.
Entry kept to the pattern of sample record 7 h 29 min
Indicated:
7 h 13 min
